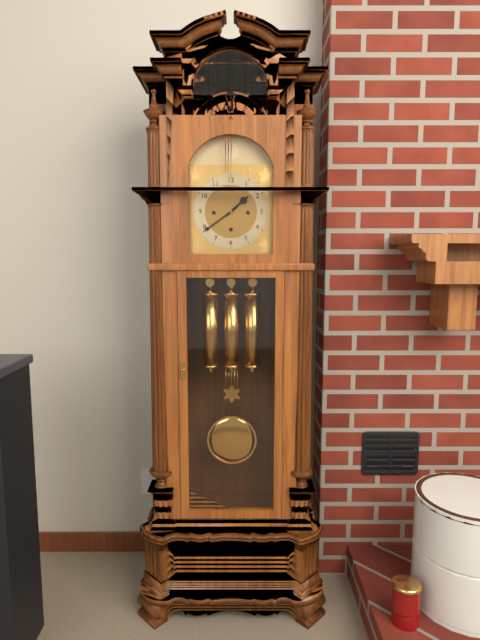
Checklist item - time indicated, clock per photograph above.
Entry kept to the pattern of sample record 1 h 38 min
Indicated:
1 h 39 min
